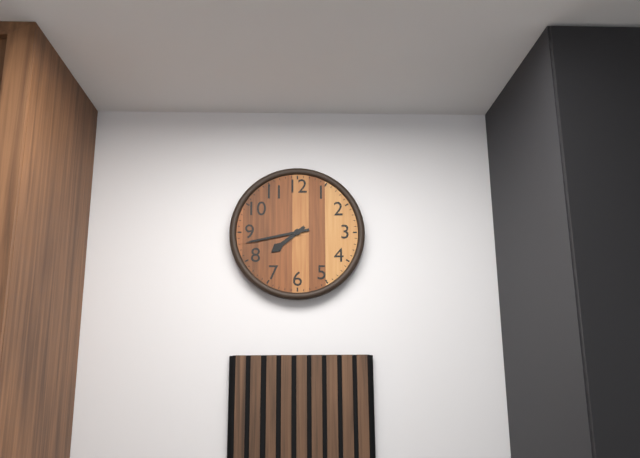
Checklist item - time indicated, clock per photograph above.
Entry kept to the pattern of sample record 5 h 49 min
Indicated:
7 h 43 min
